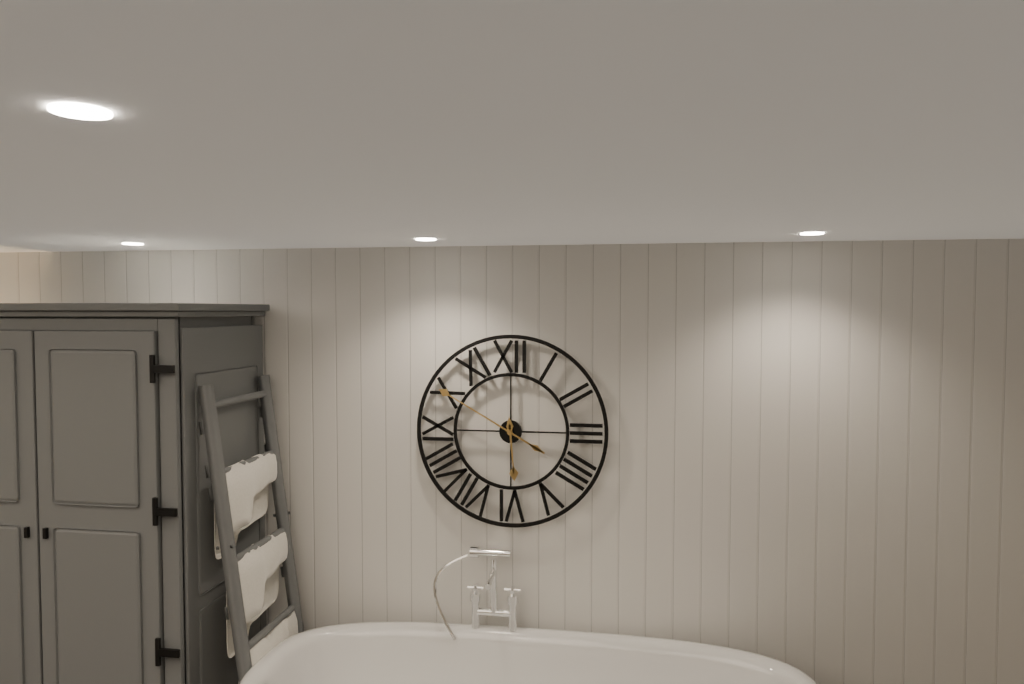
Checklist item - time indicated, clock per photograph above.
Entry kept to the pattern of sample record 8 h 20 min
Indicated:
5 h 50 min
